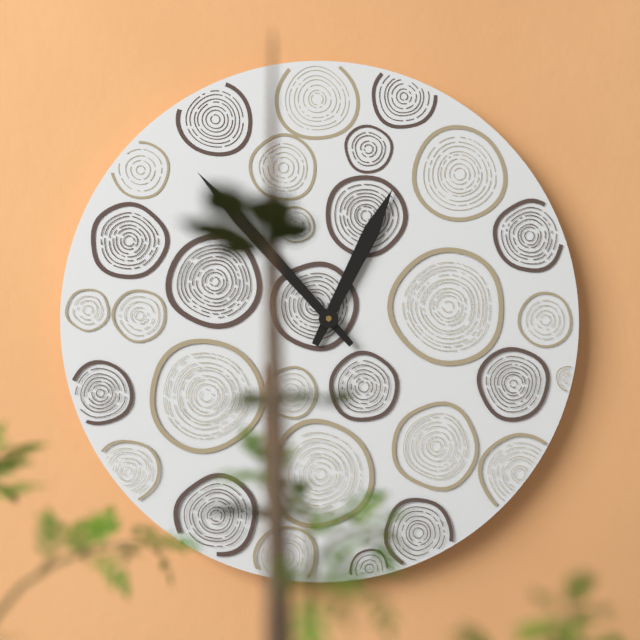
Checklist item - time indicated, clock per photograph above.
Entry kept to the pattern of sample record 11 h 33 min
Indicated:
12 h 53 min
